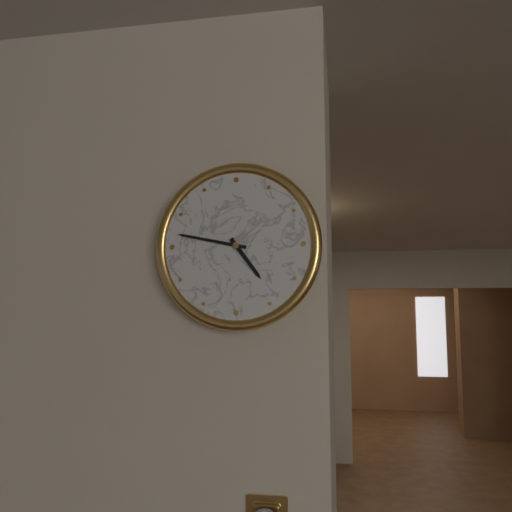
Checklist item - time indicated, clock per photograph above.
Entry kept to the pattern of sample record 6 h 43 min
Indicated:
4 h 47 min
